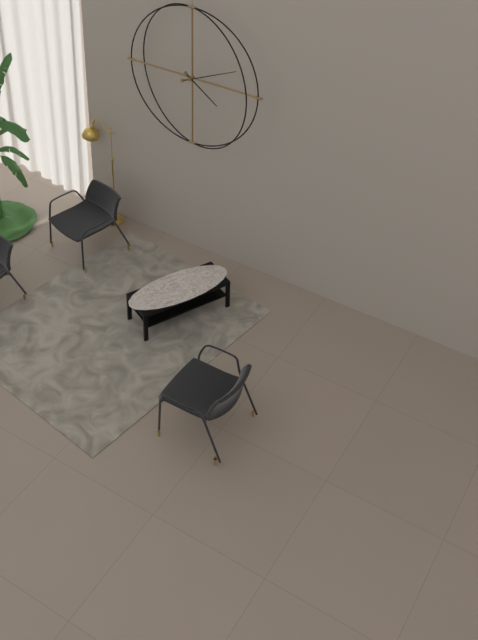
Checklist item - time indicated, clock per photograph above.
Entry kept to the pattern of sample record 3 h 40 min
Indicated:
4 h 11 min
